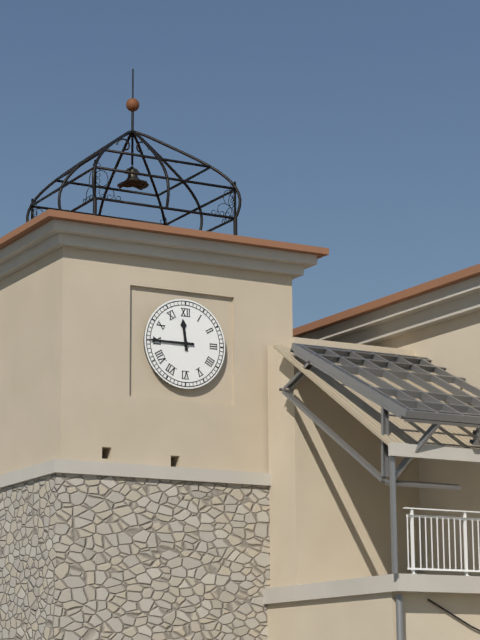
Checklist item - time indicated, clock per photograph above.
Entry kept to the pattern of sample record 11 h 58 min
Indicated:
11 h 45 min
